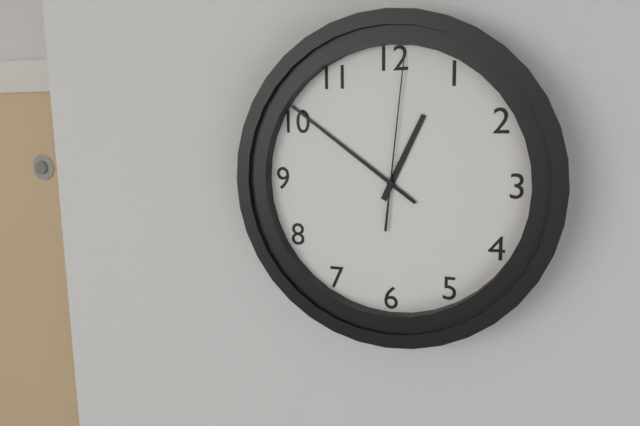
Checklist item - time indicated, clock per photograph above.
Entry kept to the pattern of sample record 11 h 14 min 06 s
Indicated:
12 h 51 min 01 s
